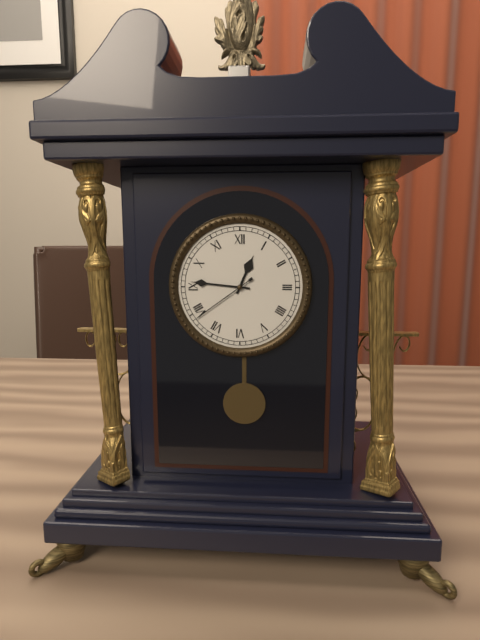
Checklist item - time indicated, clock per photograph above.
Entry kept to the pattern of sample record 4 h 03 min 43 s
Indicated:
12 h 46 min 39 s
